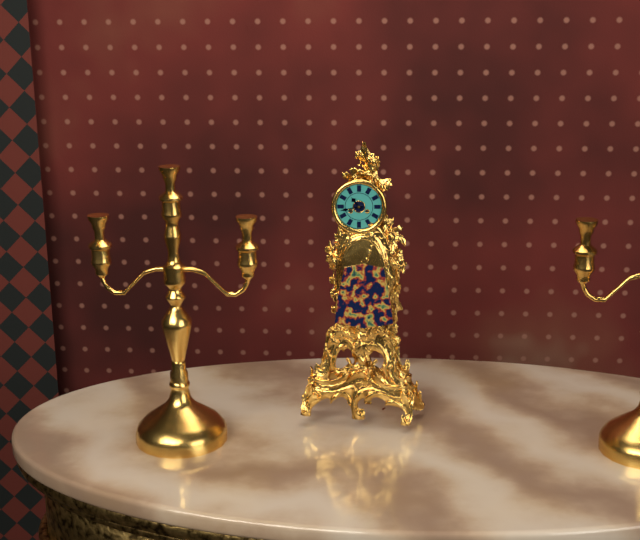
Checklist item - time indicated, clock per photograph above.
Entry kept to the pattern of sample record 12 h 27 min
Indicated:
10 h 43 min
